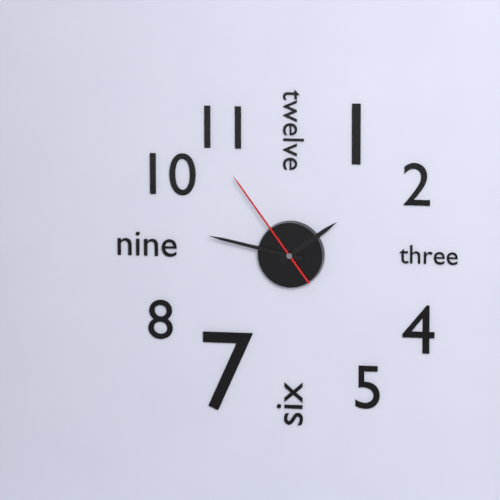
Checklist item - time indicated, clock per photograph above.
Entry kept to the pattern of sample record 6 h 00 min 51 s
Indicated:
1 h 47 min 54 s
